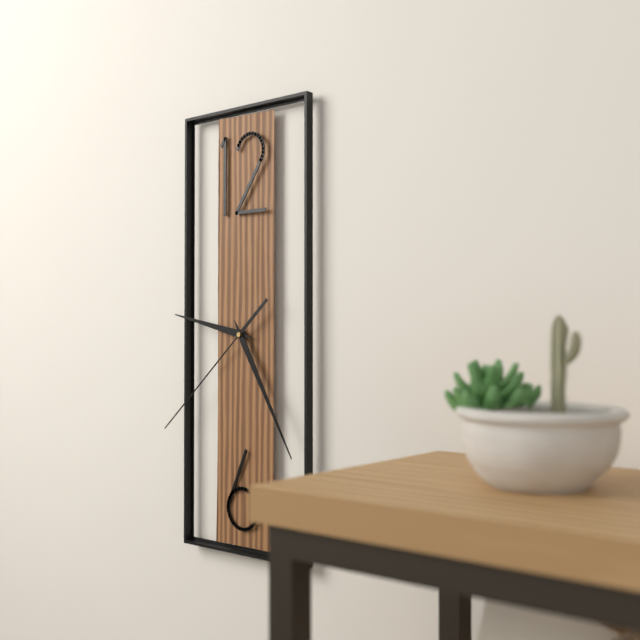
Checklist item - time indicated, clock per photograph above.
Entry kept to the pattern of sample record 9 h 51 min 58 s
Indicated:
9 h 25 min 38 s
